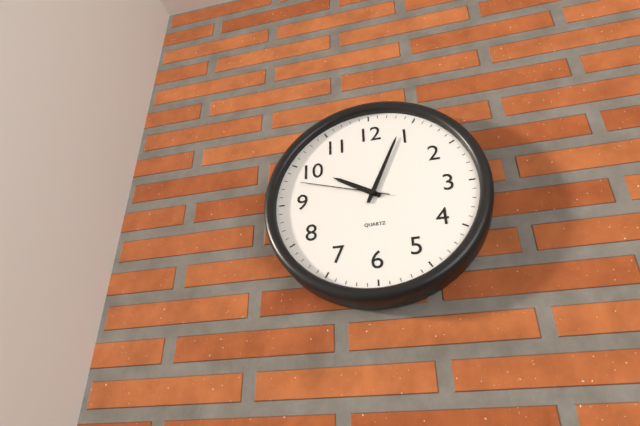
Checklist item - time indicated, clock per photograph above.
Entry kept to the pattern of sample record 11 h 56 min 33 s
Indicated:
10 h 04 min 48 s
